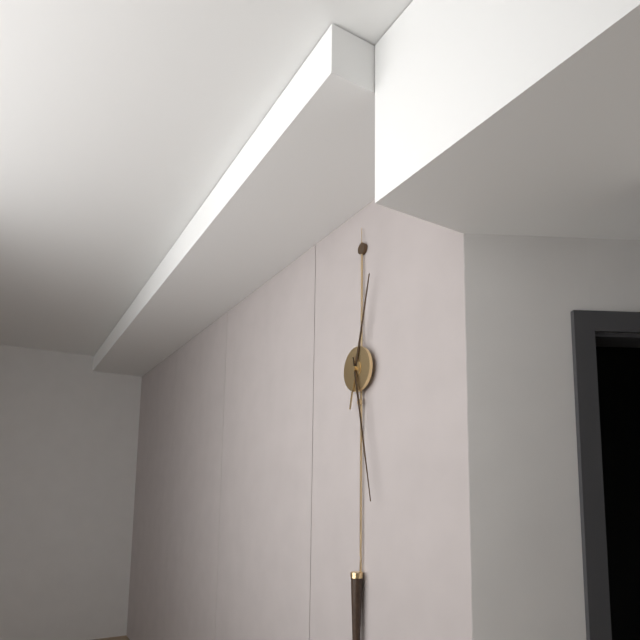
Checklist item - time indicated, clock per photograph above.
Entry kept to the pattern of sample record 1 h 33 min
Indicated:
12 h 28 min
